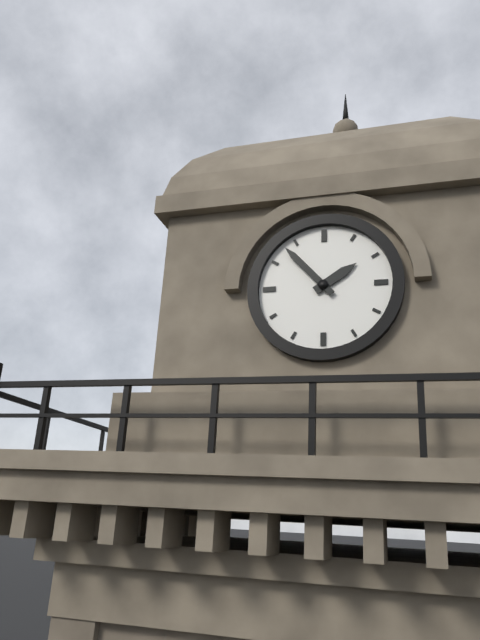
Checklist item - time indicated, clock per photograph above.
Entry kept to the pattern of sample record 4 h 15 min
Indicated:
1 h 53 min
